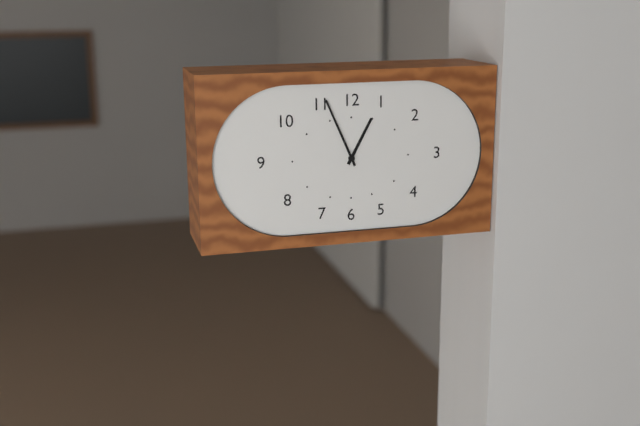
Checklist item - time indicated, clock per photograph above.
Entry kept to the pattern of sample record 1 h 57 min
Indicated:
12 h 56 min
